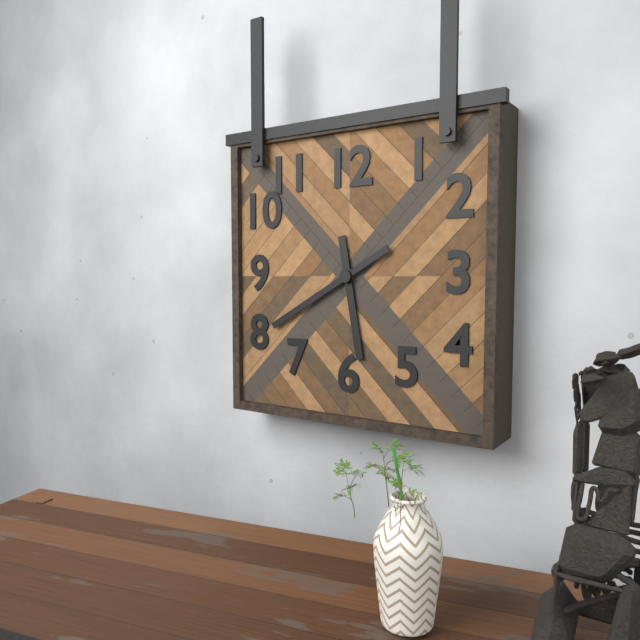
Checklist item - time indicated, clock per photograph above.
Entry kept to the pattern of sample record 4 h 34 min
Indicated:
5 h 40 min
